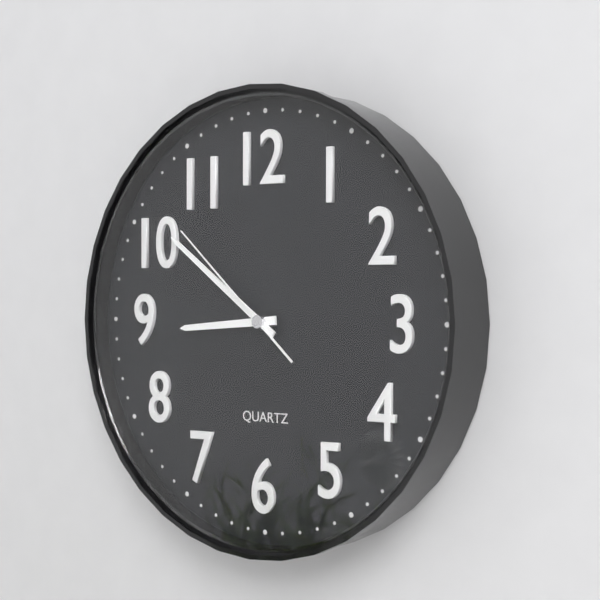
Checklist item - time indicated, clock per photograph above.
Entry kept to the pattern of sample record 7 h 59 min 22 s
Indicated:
8 h 51 min 52 s
